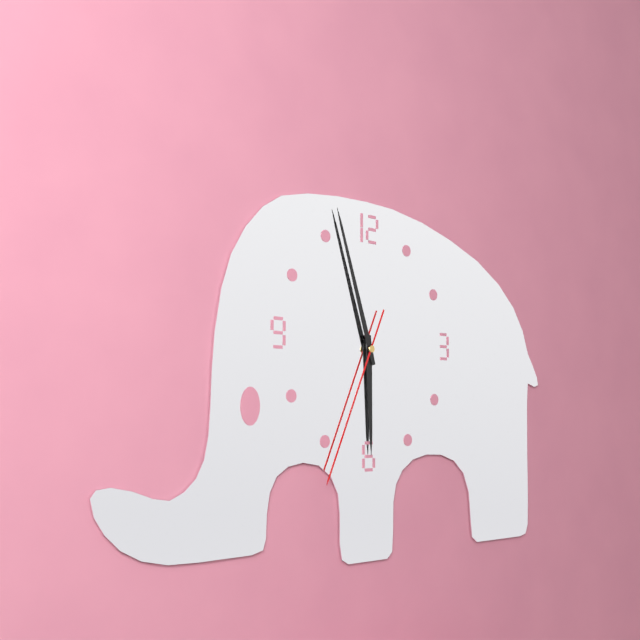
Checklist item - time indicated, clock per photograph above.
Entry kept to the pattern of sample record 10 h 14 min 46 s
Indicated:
5 h 57 min 34 s
